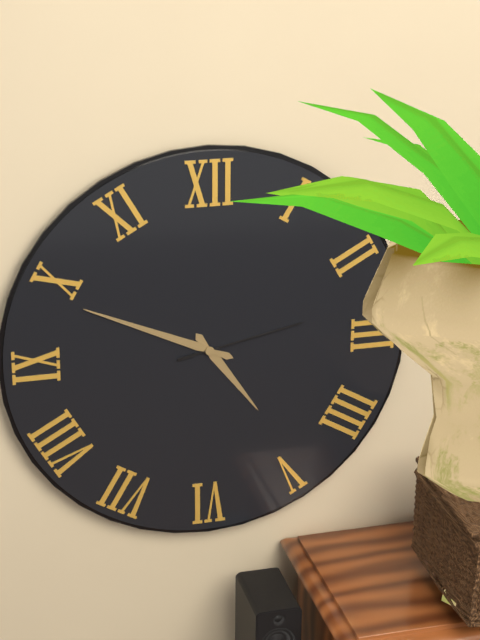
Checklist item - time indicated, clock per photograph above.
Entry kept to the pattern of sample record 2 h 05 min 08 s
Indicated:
4 h 49 min 13 s
